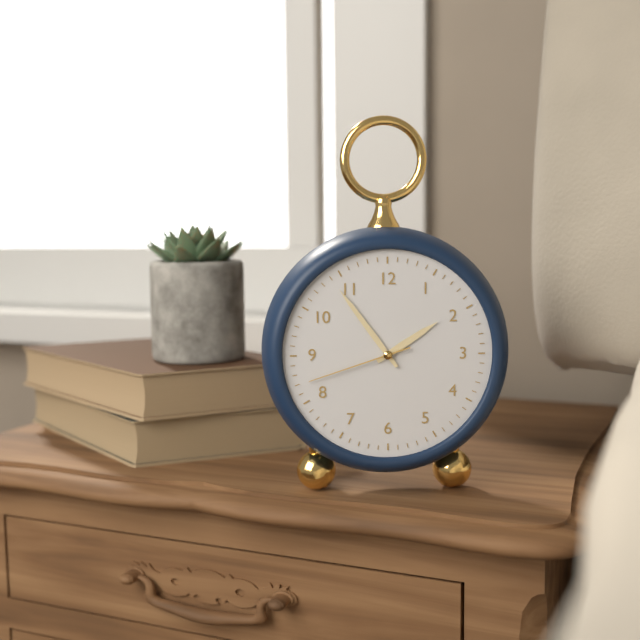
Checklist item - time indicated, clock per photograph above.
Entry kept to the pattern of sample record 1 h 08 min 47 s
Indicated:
1 h 54 min 42 s
